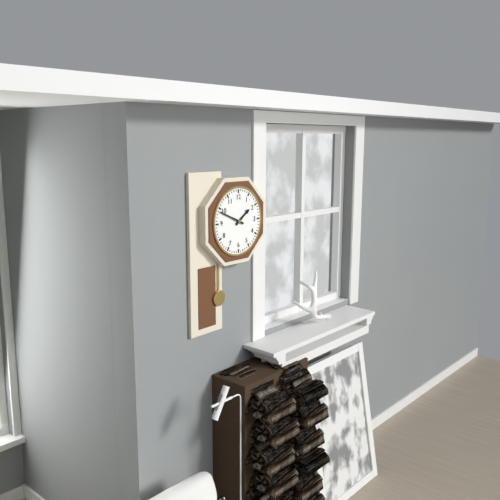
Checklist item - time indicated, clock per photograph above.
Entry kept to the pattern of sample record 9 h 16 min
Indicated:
1 h 49 min
